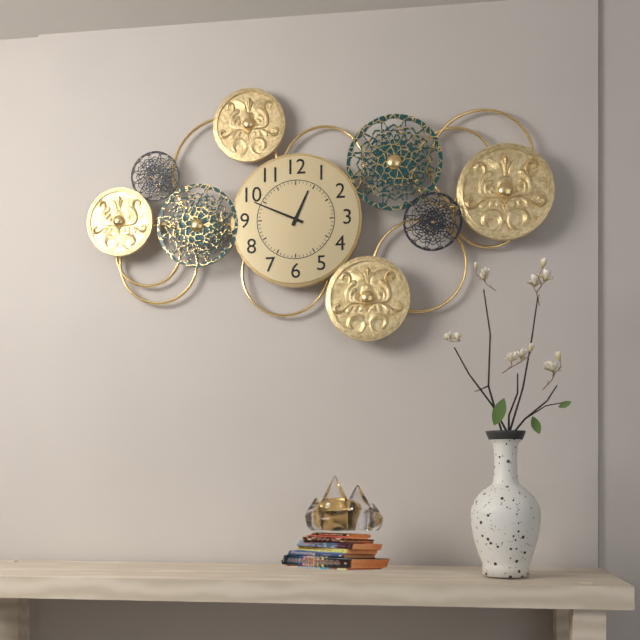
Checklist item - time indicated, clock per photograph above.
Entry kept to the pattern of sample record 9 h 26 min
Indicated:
12 h 49 min
